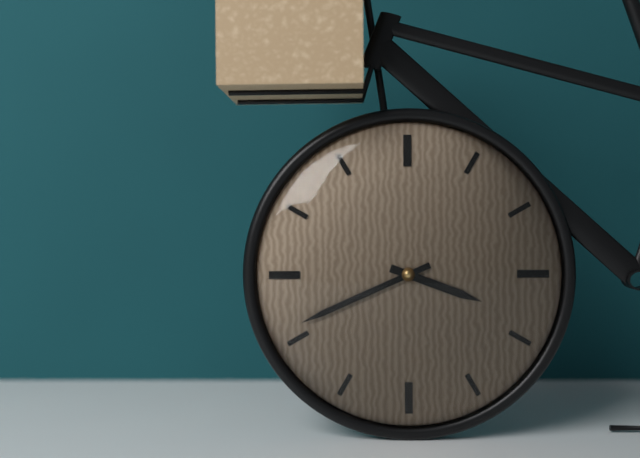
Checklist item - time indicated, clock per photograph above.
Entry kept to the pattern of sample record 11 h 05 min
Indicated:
3 h 41 min
